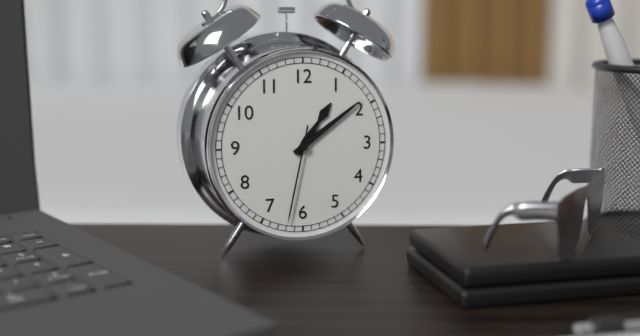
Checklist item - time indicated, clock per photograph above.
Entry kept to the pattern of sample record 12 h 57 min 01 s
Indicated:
1 h 09 min 32 s
